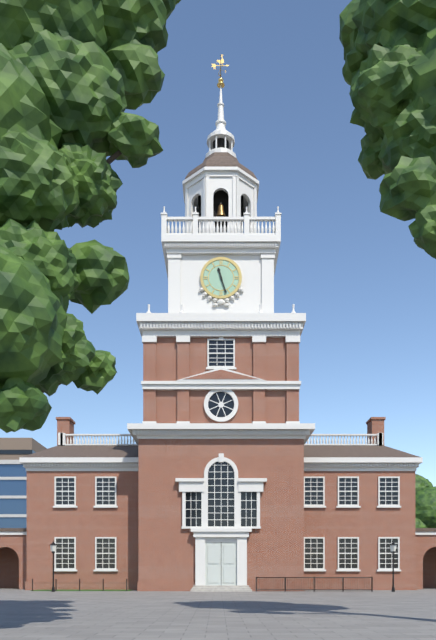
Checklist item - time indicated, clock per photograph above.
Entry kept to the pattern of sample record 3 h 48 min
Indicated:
11 h 27 min
